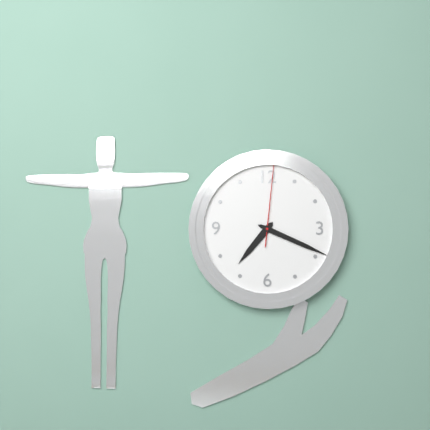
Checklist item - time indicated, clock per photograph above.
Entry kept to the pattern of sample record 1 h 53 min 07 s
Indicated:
7 h 19 min 01 s
